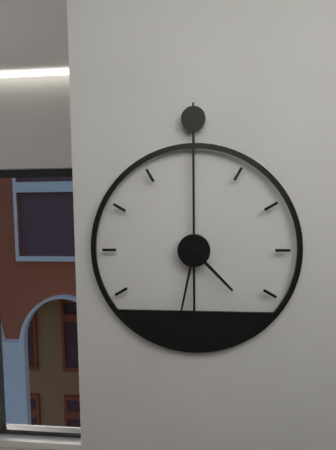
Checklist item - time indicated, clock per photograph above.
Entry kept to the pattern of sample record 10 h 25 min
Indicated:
4 h 32 min
